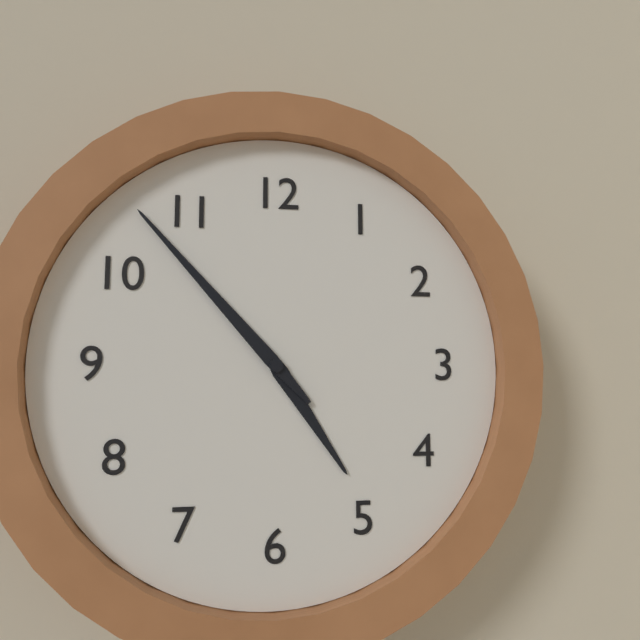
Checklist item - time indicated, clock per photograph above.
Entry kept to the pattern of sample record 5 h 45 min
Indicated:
4 h 53 min
